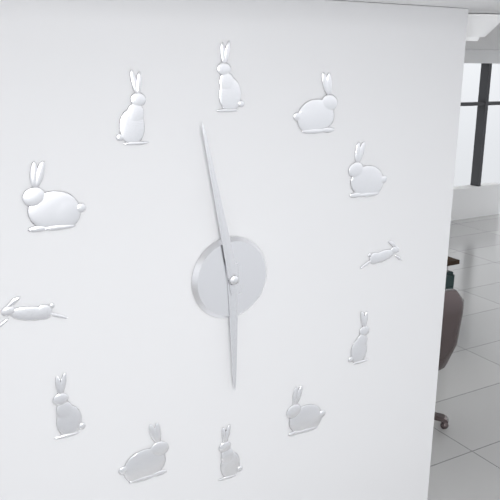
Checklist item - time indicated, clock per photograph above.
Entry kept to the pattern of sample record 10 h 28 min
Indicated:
5 h 58 min
